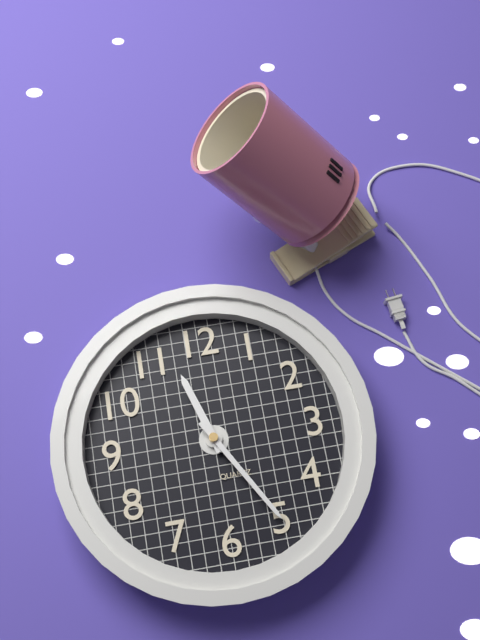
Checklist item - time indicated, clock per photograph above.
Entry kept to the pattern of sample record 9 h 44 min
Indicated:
11 h 25 min
